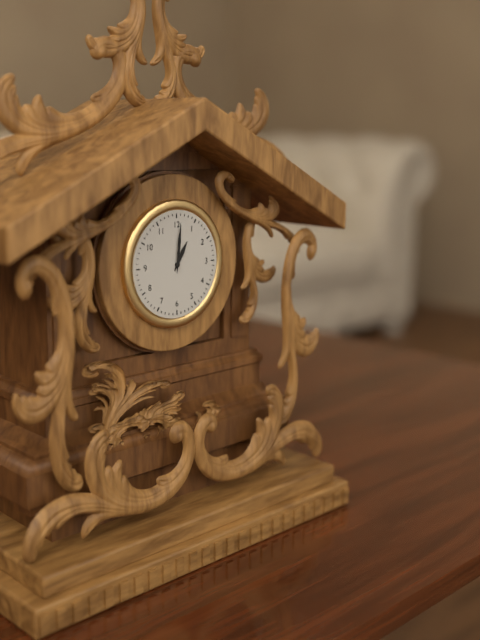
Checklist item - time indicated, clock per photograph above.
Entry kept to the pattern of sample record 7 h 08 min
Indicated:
1 h 01 min
